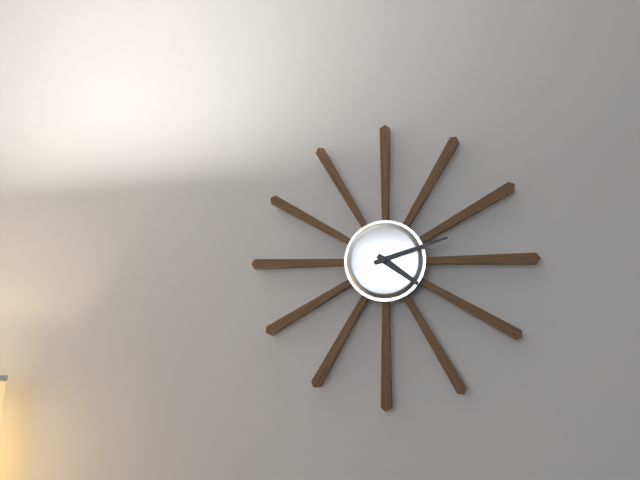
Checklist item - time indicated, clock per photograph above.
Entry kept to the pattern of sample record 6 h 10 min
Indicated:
4 h 12 min
